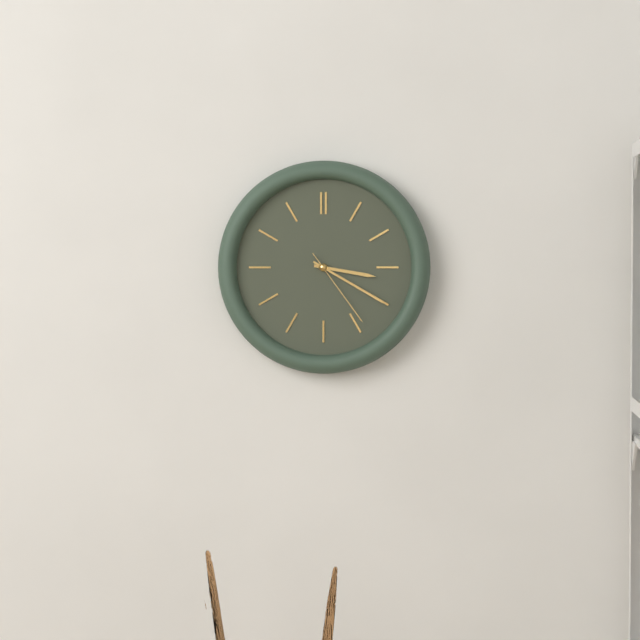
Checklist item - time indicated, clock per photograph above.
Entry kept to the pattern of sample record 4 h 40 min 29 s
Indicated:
3 h 20 min 24 s
